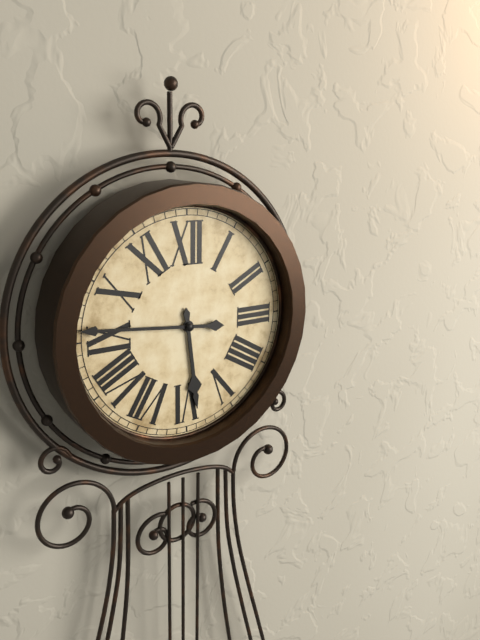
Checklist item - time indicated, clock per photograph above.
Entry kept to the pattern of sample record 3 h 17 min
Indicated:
5 h 46 min
